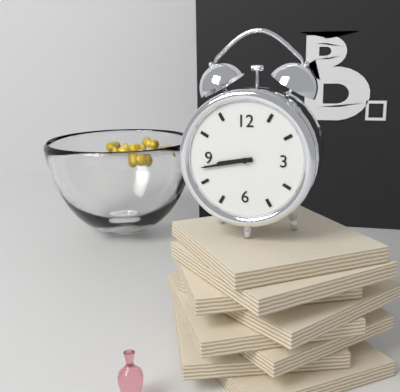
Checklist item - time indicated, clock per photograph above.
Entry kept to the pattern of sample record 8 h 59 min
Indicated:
8 h 43 min
